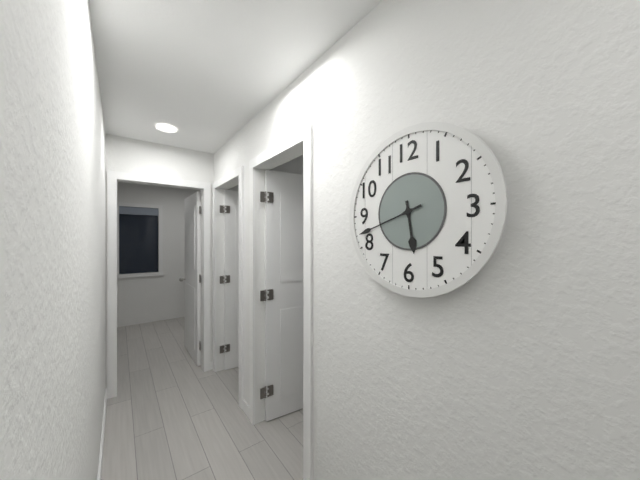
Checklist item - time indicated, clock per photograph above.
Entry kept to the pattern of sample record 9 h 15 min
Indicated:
5 h 42 min
